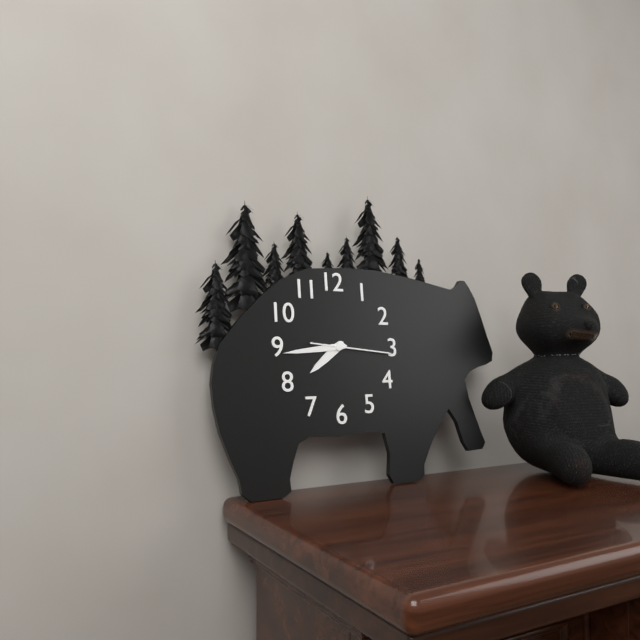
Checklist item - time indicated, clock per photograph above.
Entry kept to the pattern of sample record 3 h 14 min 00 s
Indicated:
7 h 44 min 16 s
